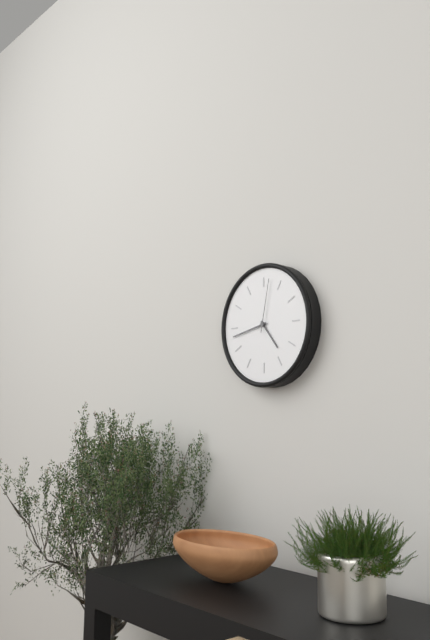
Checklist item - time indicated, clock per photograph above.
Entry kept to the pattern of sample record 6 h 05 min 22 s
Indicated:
4 h 43 min 02 s
